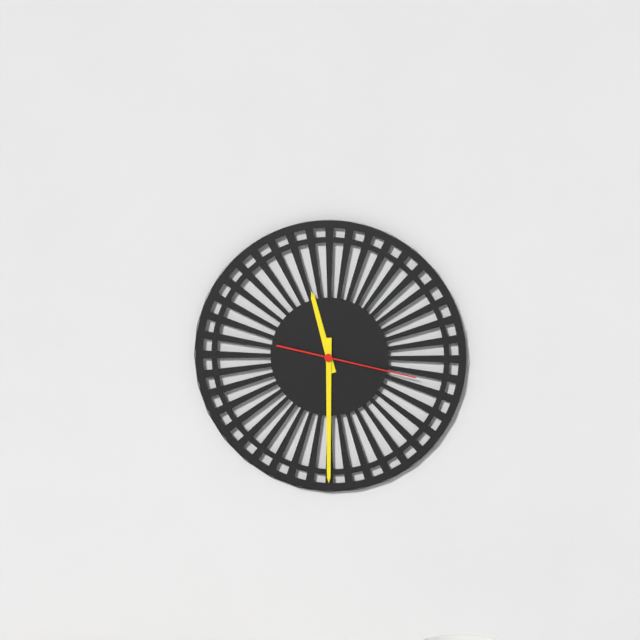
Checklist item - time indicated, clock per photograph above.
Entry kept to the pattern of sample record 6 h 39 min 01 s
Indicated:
11 h 30 min 17 s
